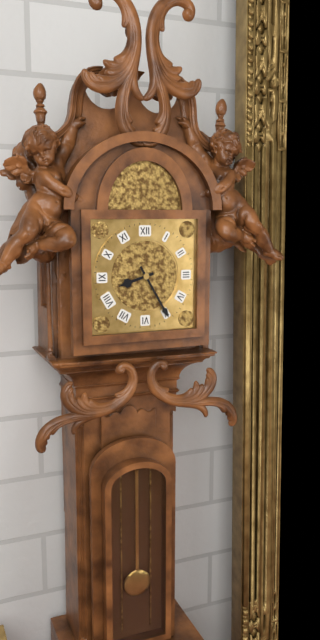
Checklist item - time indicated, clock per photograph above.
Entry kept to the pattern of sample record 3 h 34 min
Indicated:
8 h 25 min
